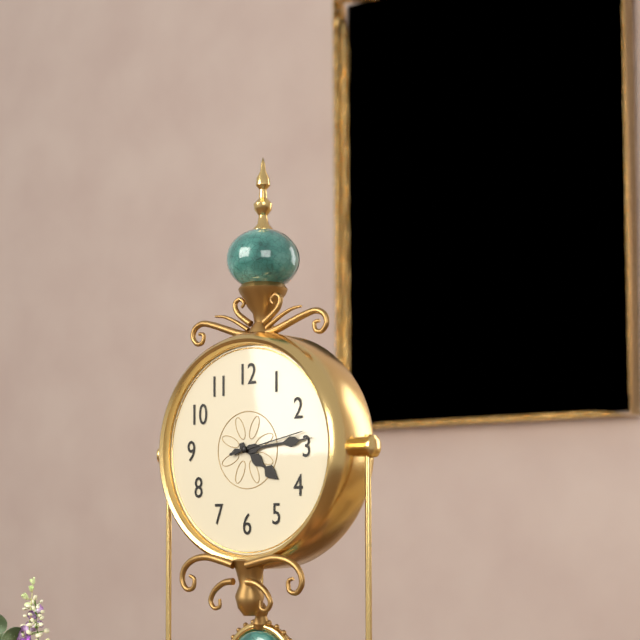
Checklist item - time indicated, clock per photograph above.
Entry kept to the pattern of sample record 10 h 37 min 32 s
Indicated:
4 h 14 min 13 s
